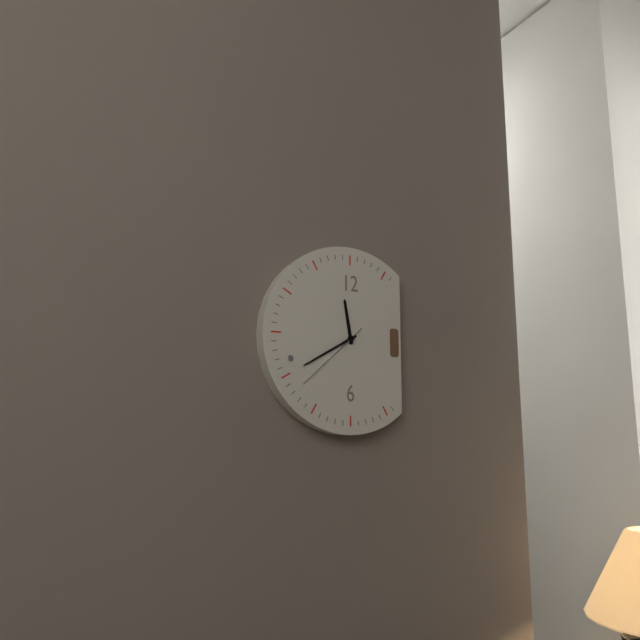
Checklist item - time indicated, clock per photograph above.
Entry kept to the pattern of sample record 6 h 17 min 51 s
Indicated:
11 h 40 min 38 s
